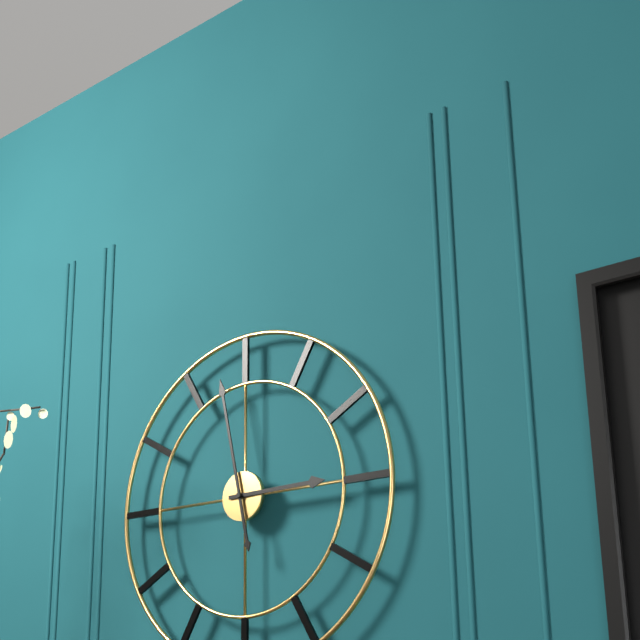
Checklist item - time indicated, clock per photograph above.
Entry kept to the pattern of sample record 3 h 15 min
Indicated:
2 h 58 min
